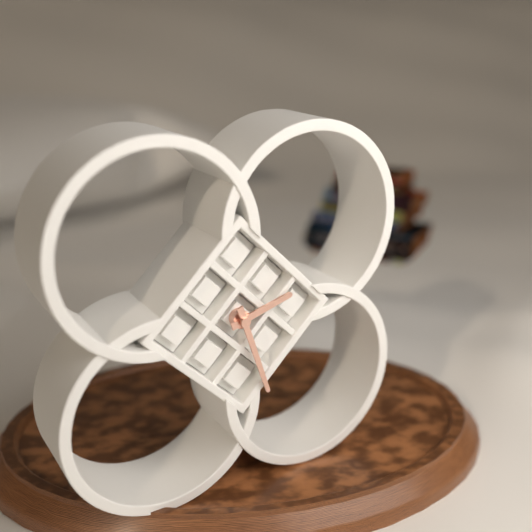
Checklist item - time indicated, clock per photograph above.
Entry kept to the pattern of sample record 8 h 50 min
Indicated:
2 h 27 min
